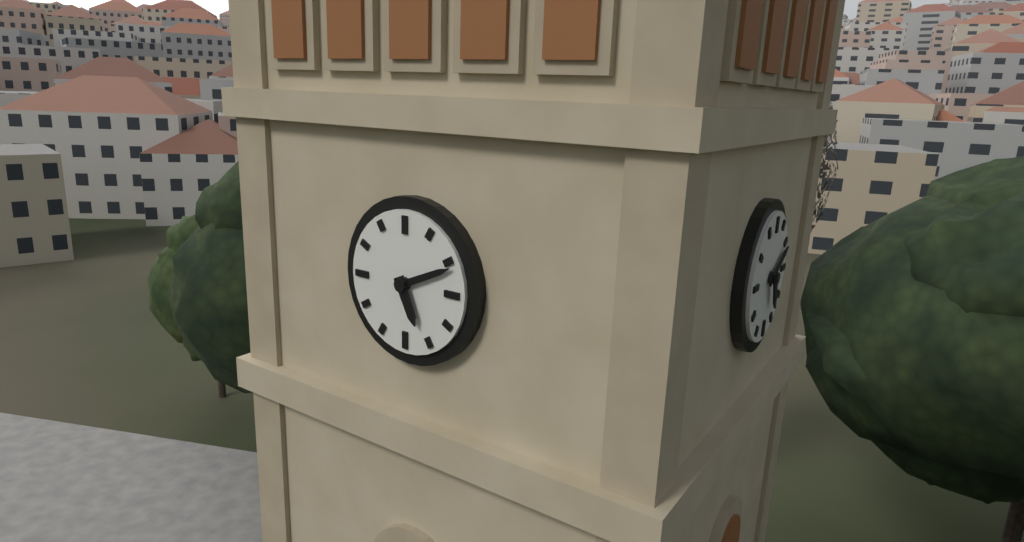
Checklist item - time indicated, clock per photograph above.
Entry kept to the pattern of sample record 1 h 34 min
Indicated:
5 h 11 min
